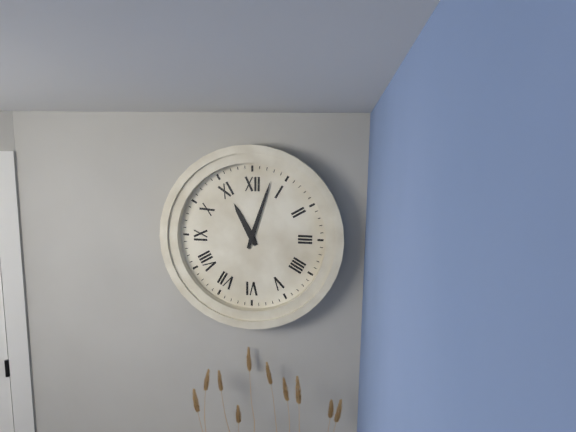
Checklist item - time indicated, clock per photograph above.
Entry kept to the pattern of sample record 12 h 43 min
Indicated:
11 h 03 min
